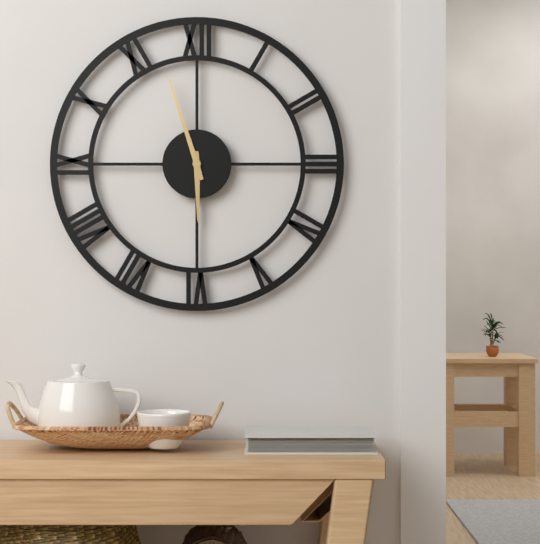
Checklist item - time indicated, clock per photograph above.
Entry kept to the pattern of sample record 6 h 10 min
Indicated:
5 h 57 min
